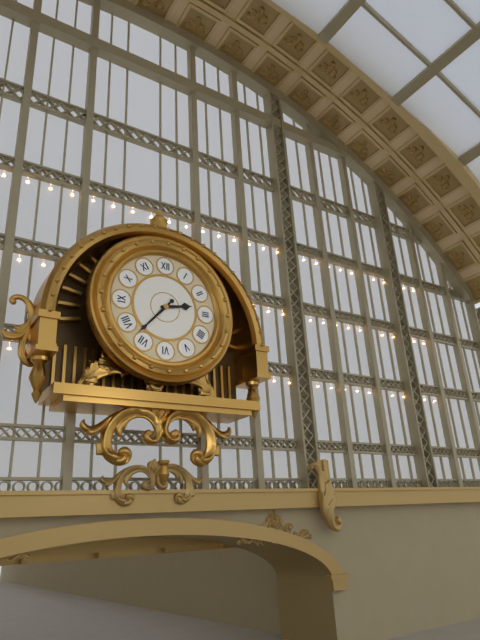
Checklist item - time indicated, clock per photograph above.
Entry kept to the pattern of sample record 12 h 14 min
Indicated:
2 h 37 min
